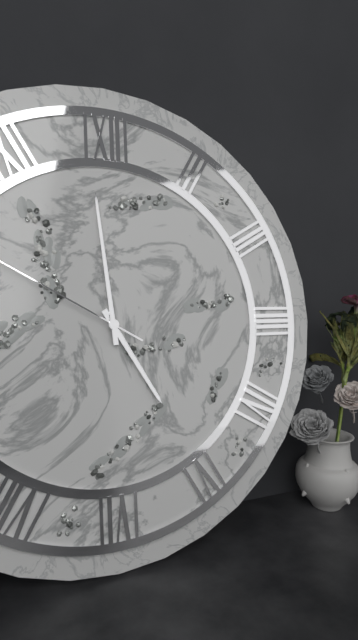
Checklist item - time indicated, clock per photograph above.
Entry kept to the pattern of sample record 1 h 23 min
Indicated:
4 h 59 min
